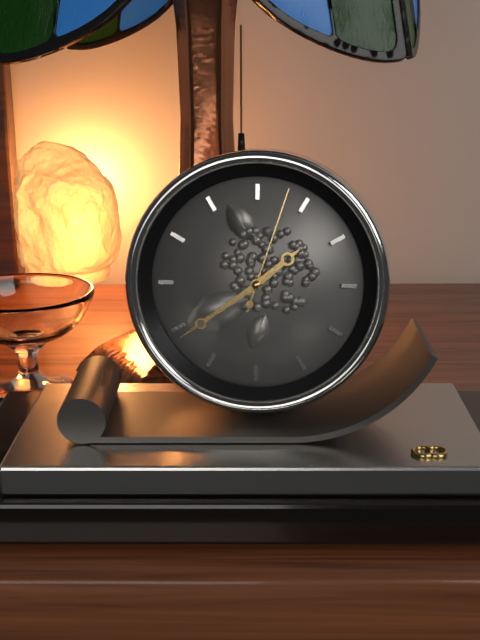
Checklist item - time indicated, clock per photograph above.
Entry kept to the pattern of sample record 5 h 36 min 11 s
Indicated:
1 h 39 min 03 s
